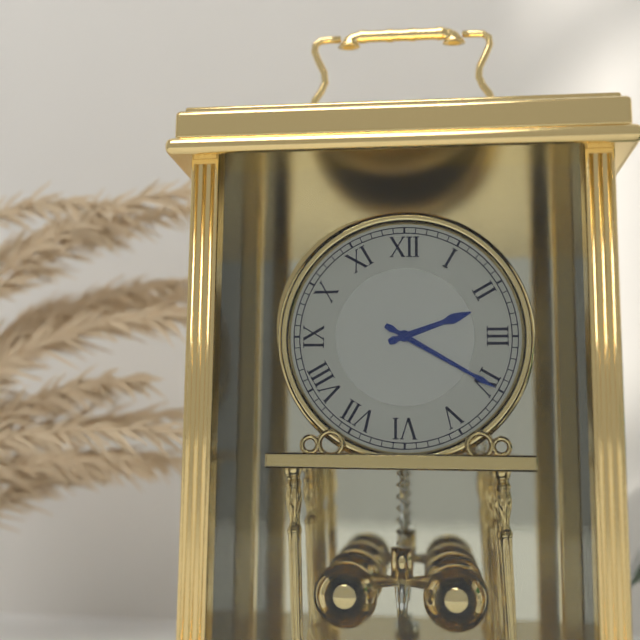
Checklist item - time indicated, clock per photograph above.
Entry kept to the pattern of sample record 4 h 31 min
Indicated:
2 h 20 min
